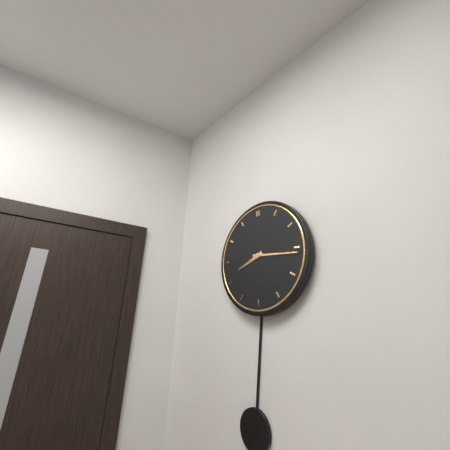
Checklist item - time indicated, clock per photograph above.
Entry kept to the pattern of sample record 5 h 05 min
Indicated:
8 h 16 min
